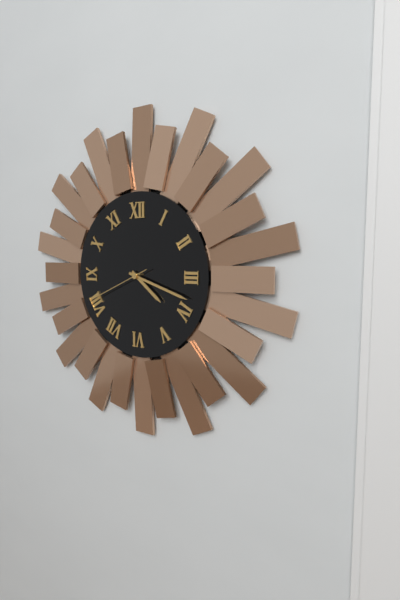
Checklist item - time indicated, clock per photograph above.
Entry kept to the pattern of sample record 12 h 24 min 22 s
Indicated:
4 h 18 min 41 s
